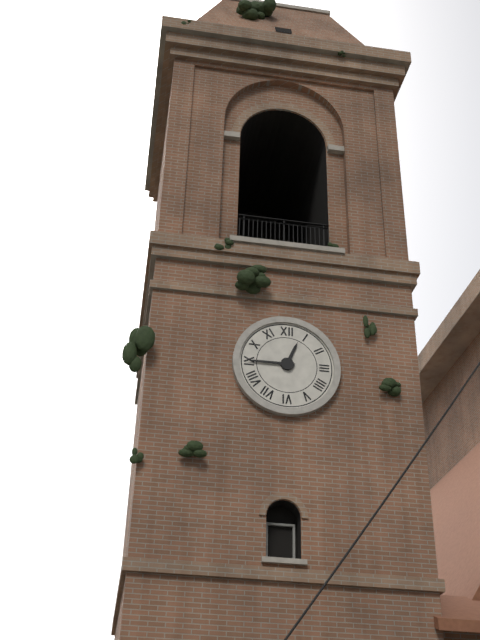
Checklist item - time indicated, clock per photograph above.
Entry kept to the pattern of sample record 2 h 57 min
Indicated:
12 h 45 min
